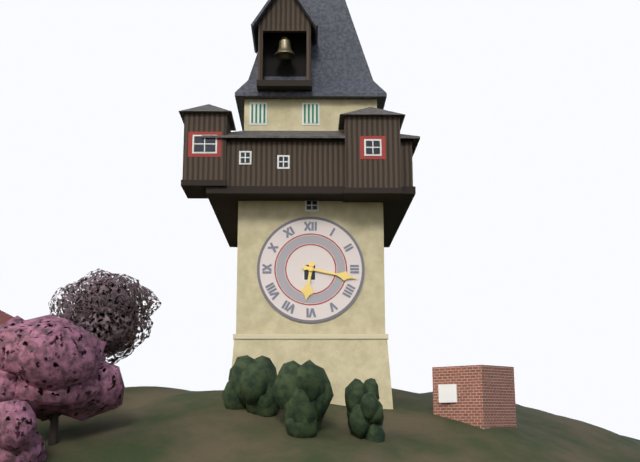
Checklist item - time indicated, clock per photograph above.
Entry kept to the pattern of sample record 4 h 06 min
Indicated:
6 h 17 min
